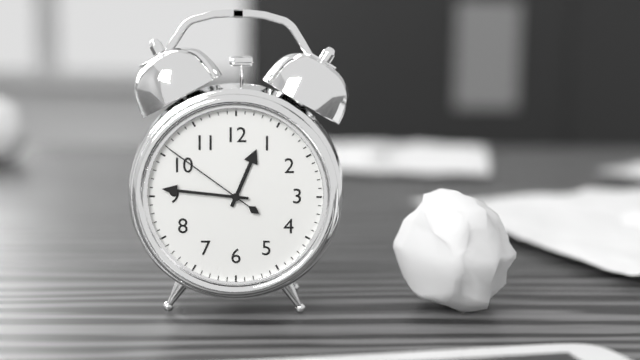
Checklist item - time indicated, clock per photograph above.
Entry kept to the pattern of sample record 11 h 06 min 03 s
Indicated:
12 h 46 min 51 s
